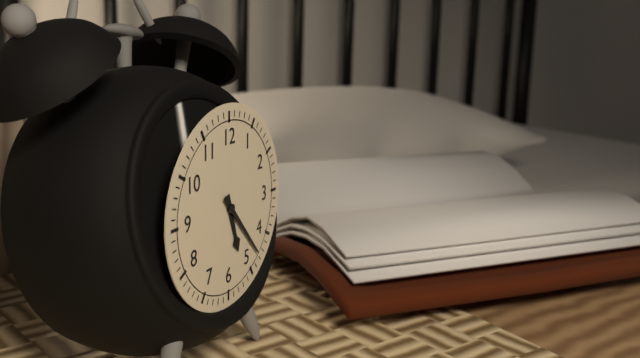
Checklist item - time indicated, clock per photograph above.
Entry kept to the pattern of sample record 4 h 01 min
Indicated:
5 h 23 min
